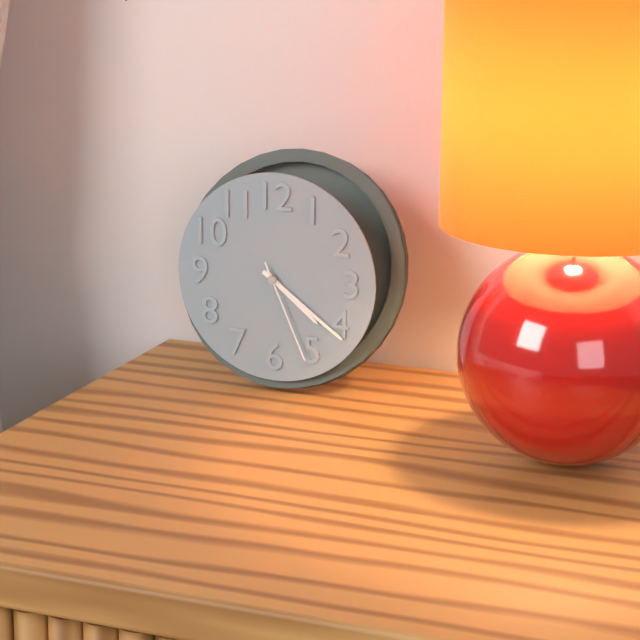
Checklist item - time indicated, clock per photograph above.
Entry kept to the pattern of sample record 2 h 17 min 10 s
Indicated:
4 h 21 min 26 s
